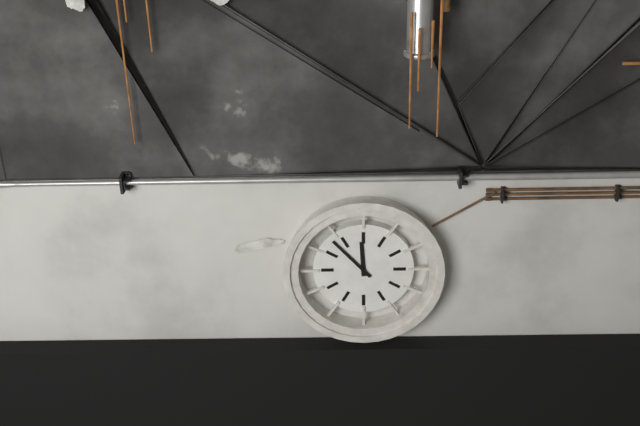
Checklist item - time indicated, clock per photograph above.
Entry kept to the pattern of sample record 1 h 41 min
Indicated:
11 h 53 min
